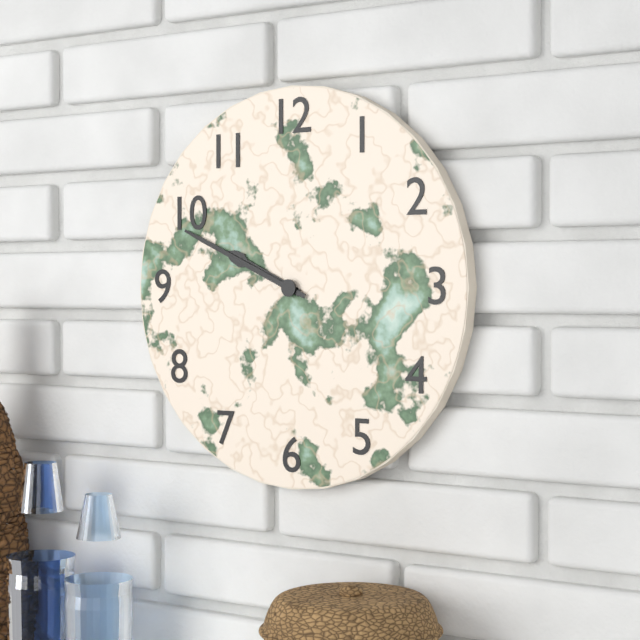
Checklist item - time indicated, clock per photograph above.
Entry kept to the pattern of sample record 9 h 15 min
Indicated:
9 h 49 min
